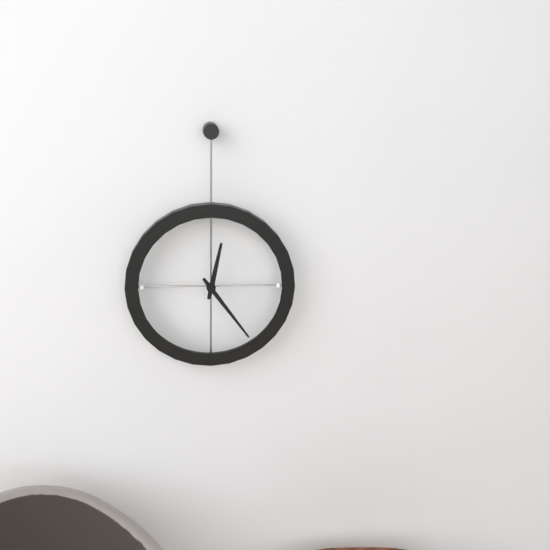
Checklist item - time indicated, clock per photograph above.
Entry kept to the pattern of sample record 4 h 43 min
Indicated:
12 h 24 min
